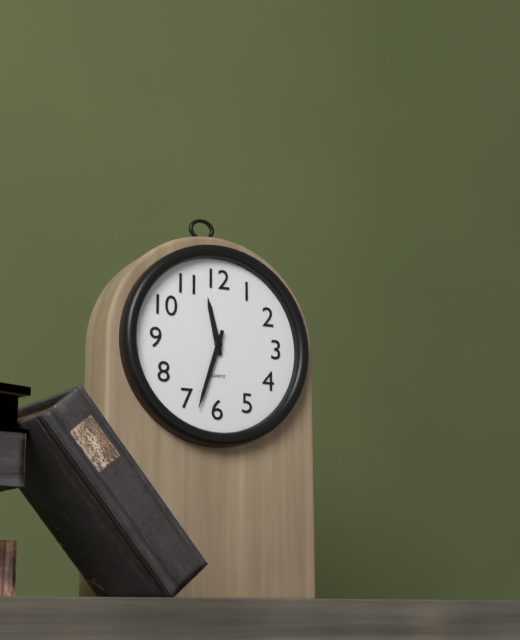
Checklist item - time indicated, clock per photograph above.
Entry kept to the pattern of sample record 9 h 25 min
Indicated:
11 h 33 min
